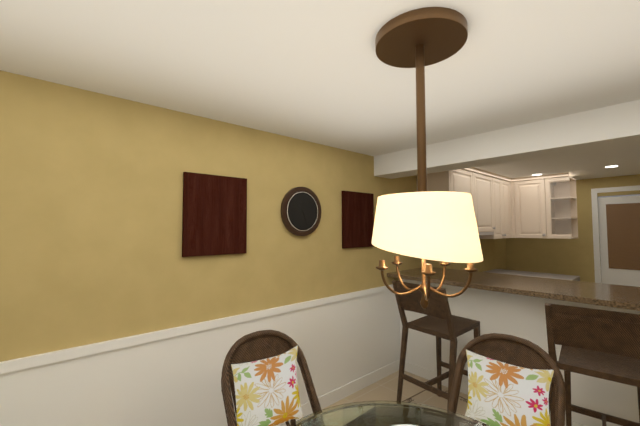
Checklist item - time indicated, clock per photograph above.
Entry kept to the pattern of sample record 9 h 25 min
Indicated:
10 h 27 min
